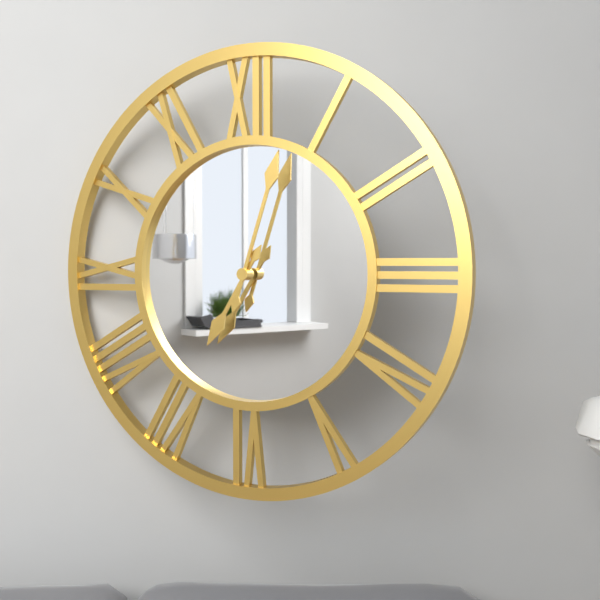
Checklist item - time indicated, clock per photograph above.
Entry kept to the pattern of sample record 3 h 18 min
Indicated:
7 h 03 min
